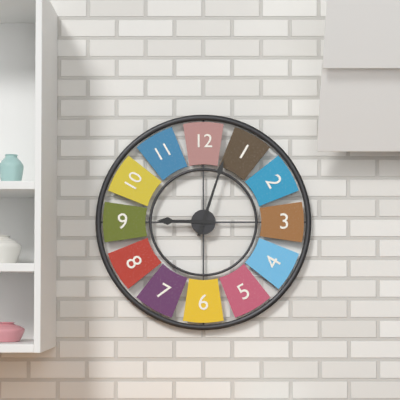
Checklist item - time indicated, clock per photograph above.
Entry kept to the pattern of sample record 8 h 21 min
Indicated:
9 h 03 min
